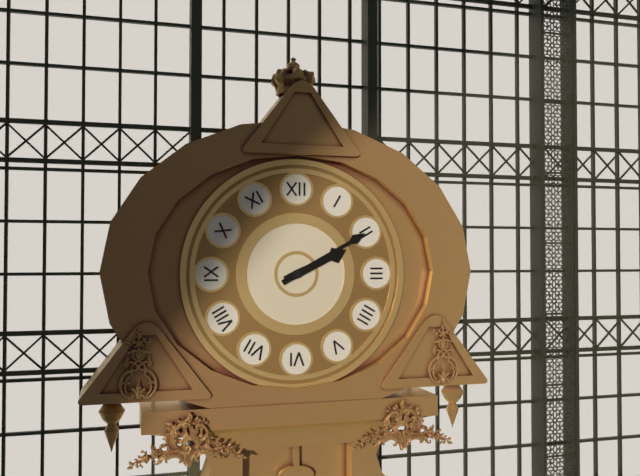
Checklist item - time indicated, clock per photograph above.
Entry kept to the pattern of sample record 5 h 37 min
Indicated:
2 h 10 min
